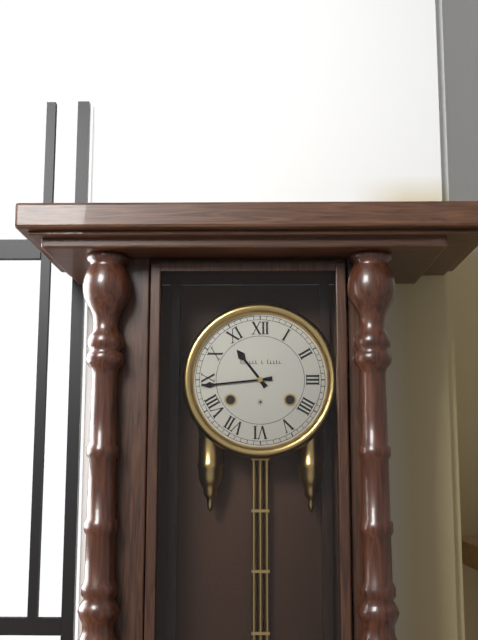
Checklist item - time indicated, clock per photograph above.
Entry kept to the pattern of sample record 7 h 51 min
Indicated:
10 h 44 min
